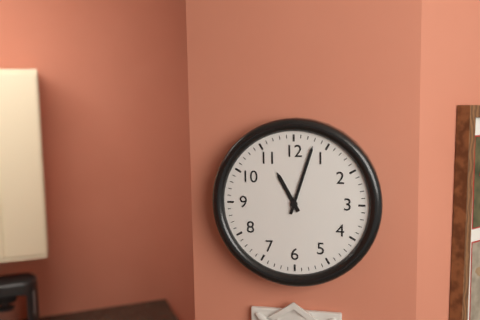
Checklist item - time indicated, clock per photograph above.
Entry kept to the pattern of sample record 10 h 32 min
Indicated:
11 h 03 min
